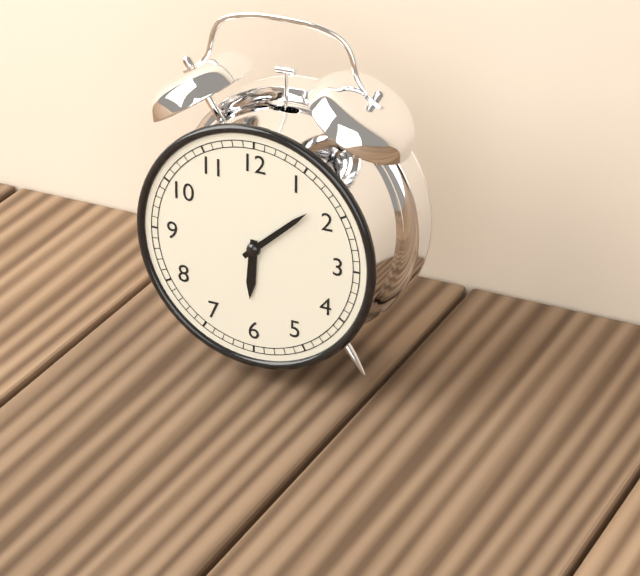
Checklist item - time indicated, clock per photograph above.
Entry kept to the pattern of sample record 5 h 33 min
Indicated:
6 h 08 min
